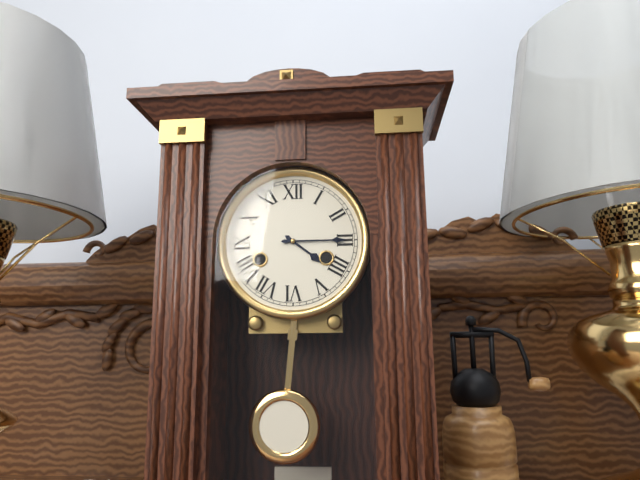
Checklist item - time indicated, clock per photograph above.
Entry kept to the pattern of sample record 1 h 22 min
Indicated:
4 h 15 min
